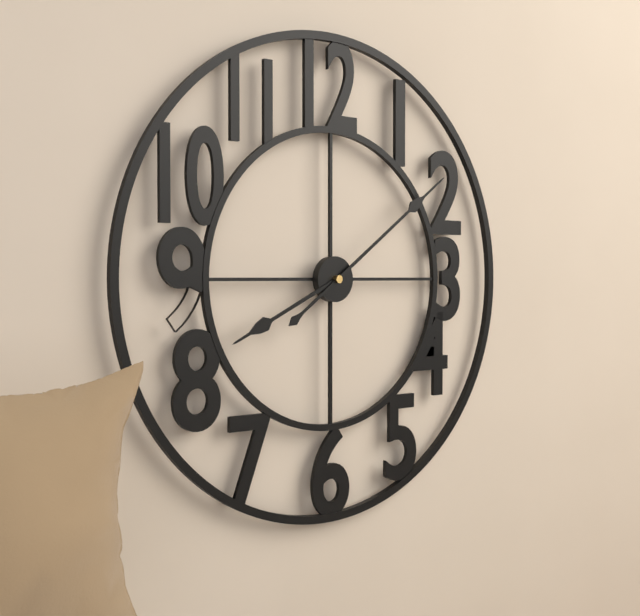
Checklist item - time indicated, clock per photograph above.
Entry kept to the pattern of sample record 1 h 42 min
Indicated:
8 h 09 min
